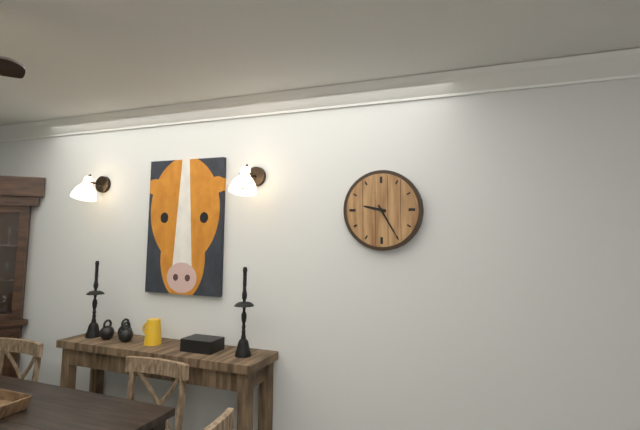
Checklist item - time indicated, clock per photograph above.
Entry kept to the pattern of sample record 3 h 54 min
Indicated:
9 h 25 min
